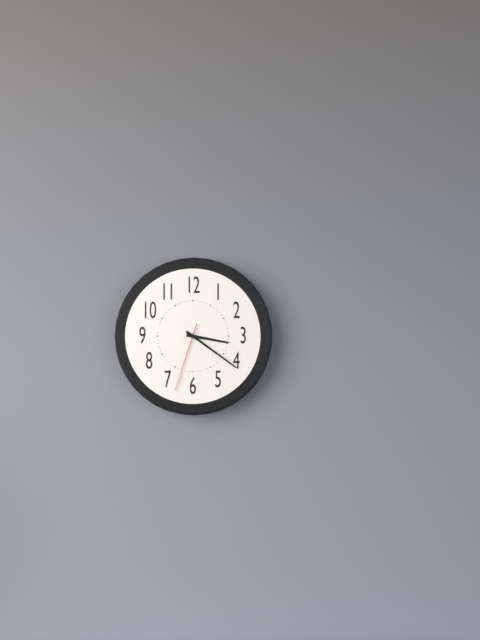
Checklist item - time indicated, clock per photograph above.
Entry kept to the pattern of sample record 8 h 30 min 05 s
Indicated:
3 h 21 min 33 s
